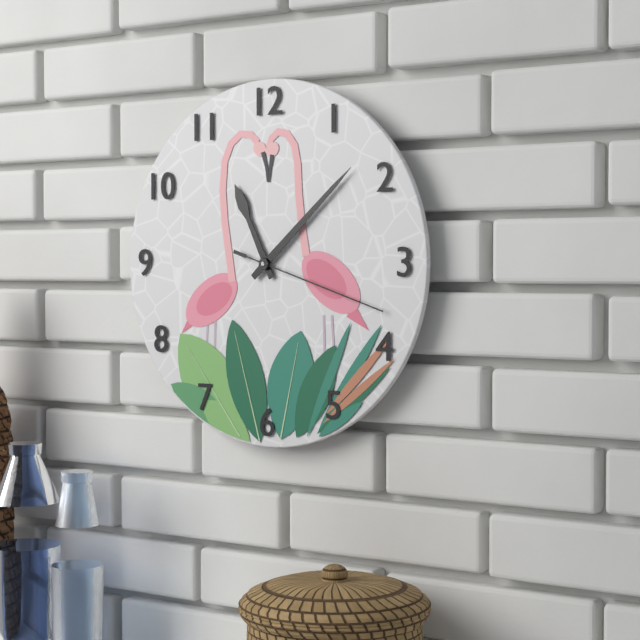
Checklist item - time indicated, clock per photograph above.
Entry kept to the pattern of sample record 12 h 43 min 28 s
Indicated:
11 h 08 min 18 s
